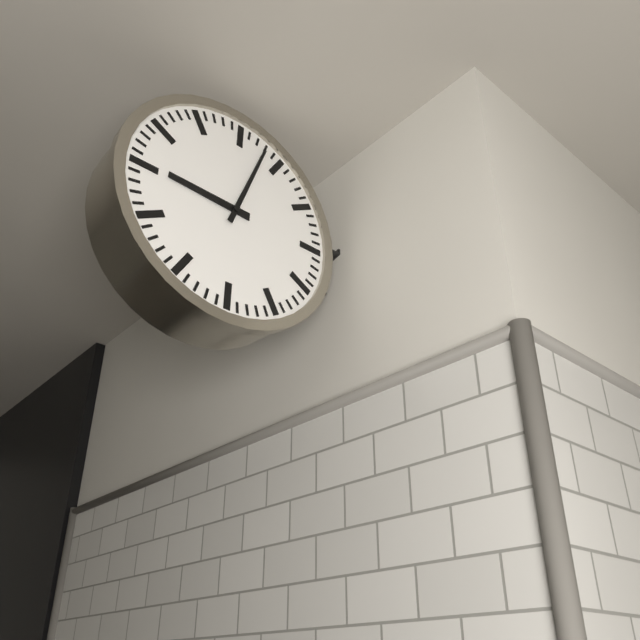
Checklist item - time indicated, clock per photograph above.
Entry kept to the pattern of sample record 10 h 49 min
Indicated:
9 h 03 min
